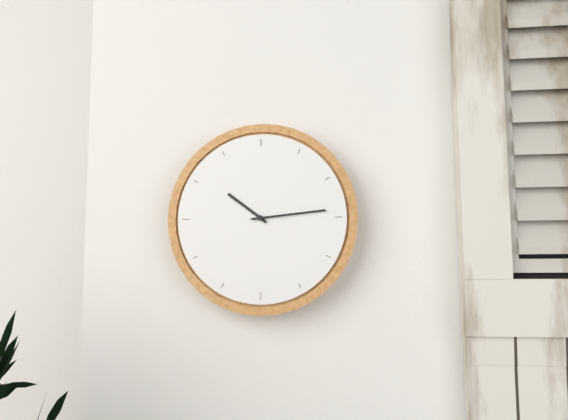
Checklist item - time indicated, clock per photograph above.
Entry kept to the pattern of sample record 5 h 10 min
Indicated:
10 h 14 min
